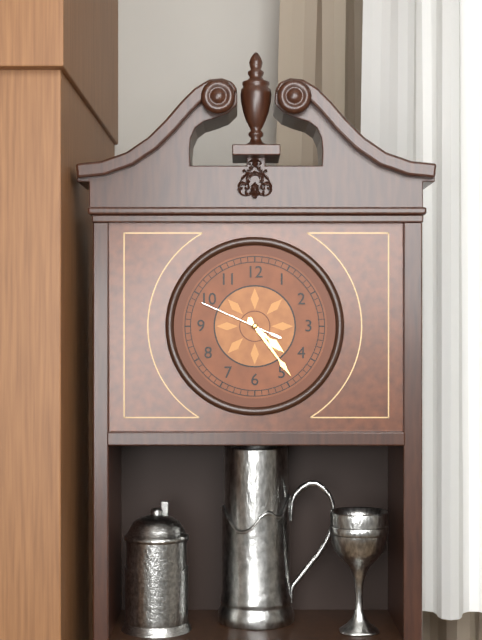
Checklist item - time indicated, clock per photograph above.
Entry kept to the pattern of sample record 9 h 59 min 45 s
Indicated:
4 h 24 min 49 s
